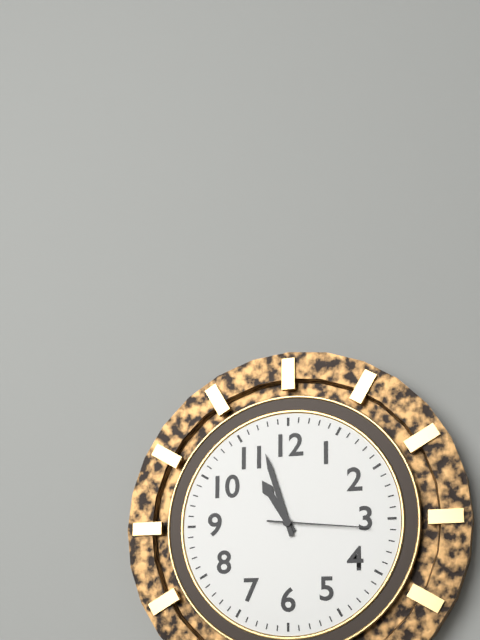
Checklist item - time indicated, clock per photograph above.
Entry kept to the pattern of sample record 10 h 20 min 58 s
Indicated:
10 h 57 min 16 s
